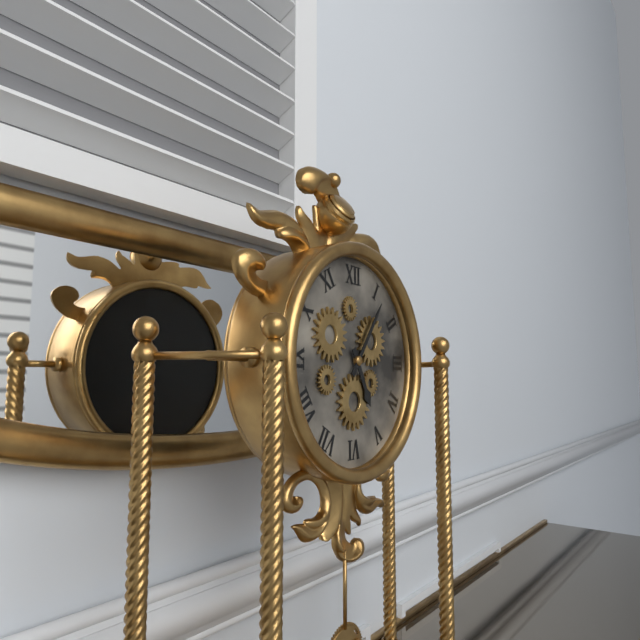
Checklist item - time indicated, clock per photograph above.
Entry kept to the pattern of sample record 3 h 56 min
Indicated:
5 h 06 min
